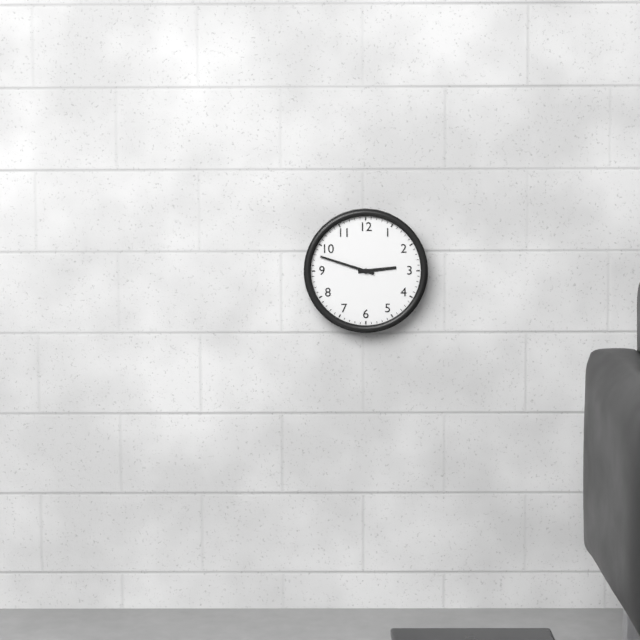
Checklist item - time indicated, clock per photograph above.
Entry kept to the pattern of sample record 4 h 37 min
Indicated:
2 h 48 min
